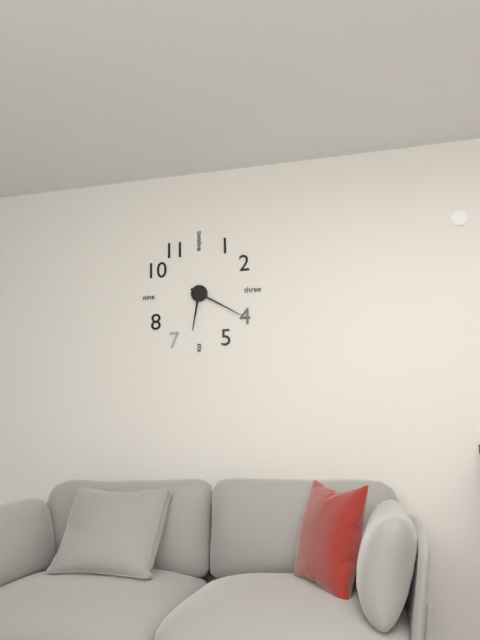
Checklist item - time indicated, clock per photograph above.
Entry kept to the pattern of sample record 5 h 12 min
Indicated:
6 h 20 min
